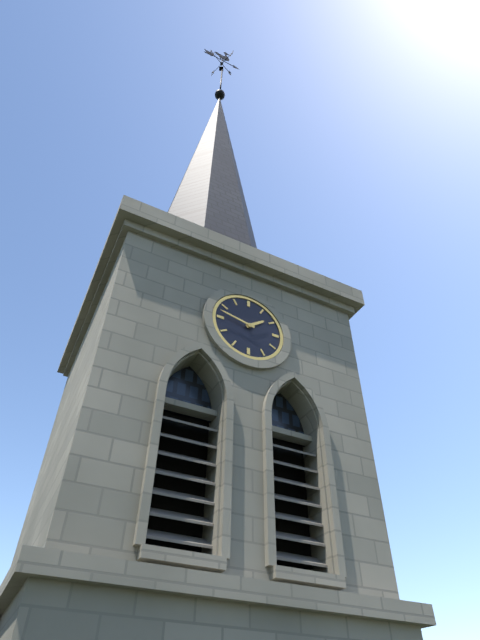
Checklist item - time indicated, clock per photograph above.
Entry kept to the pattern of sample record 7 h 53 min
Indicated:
1 h 47 min
